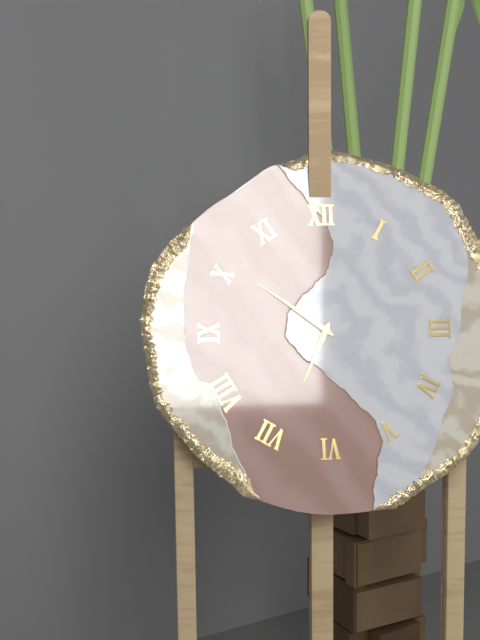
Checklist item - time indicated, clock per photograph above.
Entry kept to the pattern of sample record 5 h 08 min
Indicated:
6 h 51 min
